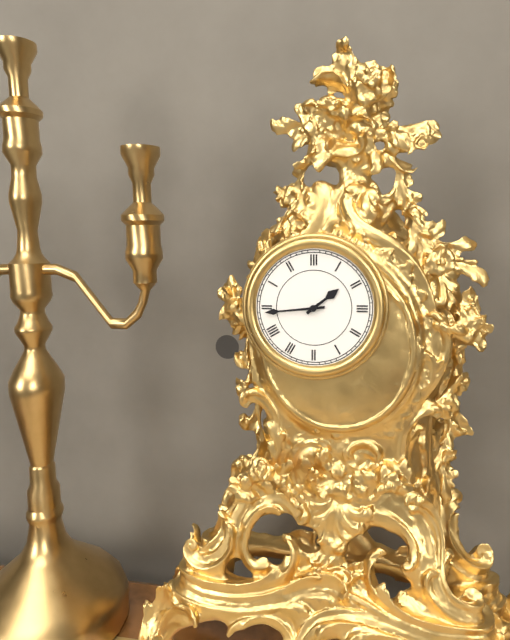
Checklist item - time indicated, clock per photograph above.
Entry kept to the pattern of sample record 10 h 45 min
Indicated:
1 h 44 min
